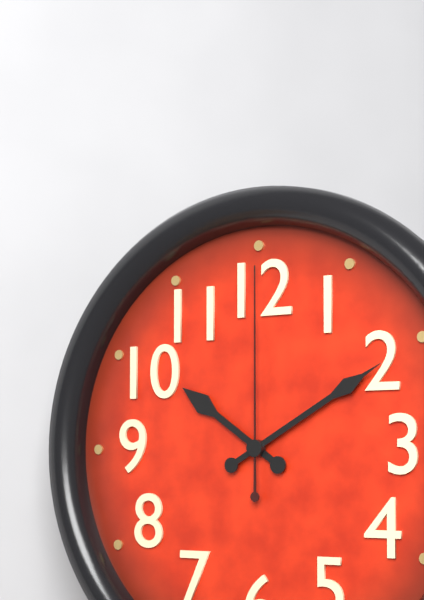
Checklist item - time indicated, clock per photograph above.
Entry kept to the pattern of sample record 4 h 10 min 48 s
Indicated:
10 h 10 min 00 s
